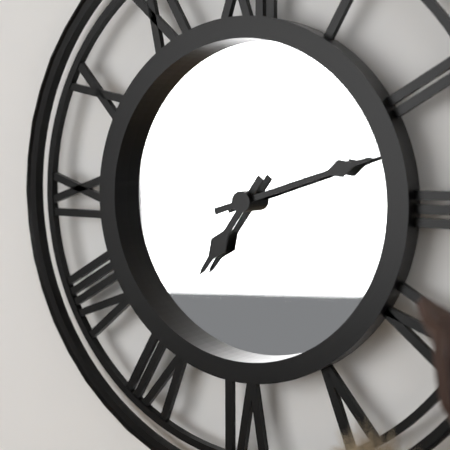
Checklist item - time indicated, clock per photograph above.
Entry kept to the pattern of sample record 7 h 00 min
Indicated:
7 h 12 min
